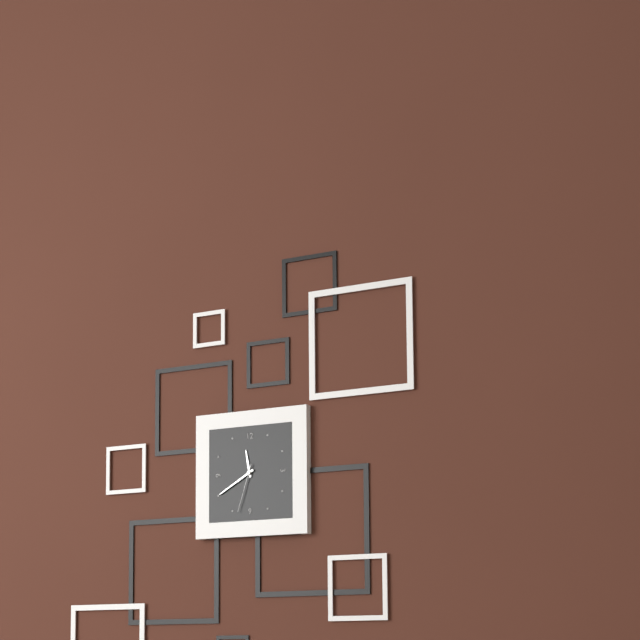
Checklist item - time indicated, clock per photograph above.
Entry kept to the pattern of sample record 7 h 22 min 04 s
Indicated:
11 h 40 min 33 s
